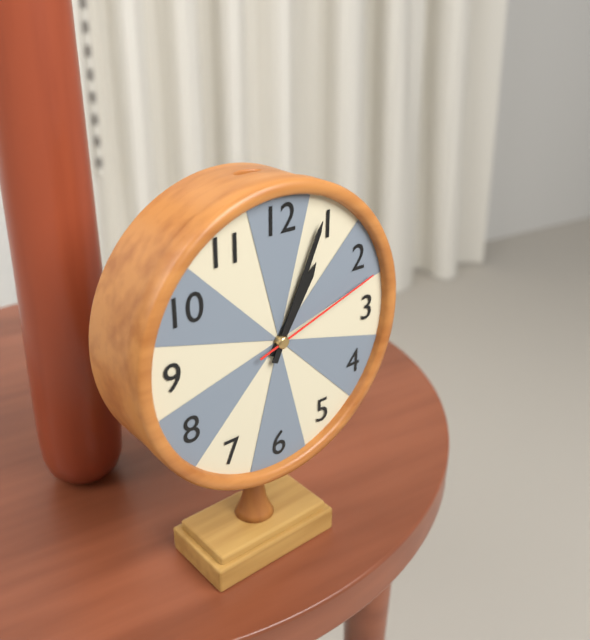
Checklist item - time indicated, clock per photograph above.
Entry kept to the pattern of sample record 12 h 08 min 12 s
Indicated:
1 h 04 min 12 s
